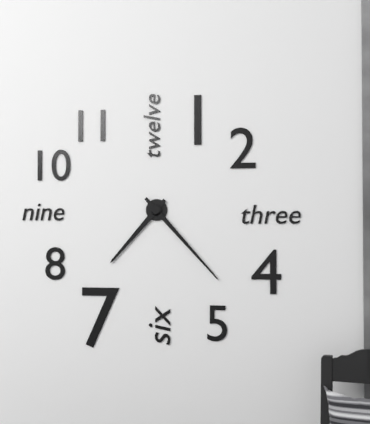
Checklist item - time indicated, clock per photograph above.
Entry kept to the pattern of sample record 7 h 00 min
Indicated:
7 h 23 min
